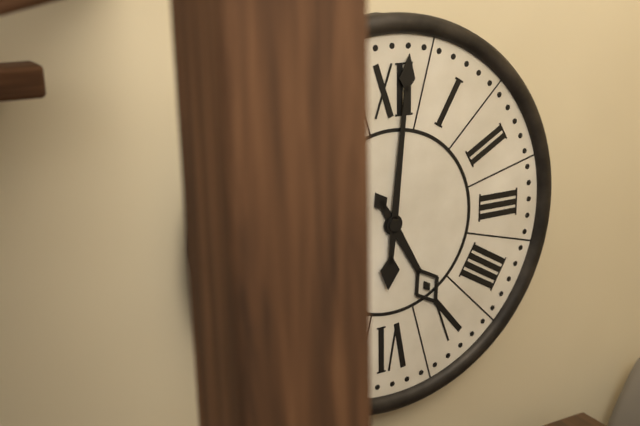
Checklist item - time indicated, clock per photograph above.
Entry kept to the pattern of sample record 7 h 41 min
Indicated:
5 h 01 min
